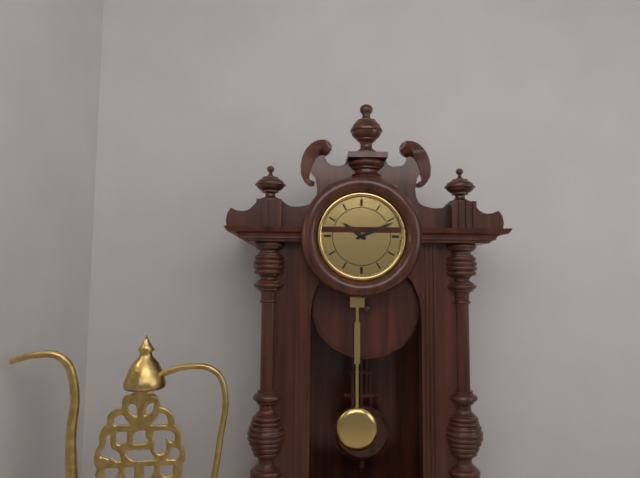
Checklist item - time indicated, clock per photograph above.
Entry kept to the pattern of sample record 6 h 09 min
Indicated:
10 h 11 min
